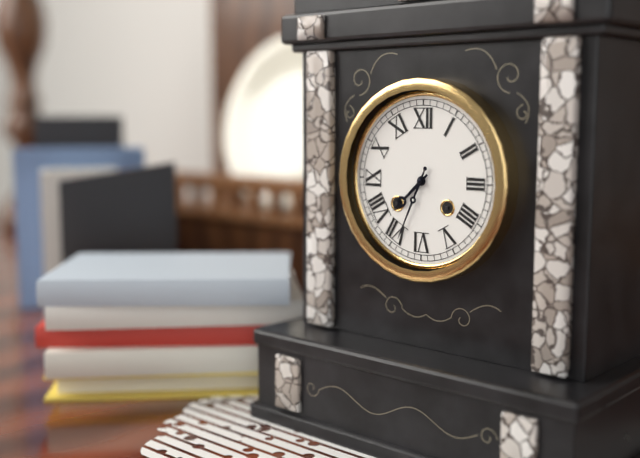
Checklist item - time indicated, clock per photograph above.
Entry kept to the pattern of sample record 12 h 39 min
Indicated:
7 h 34 min
